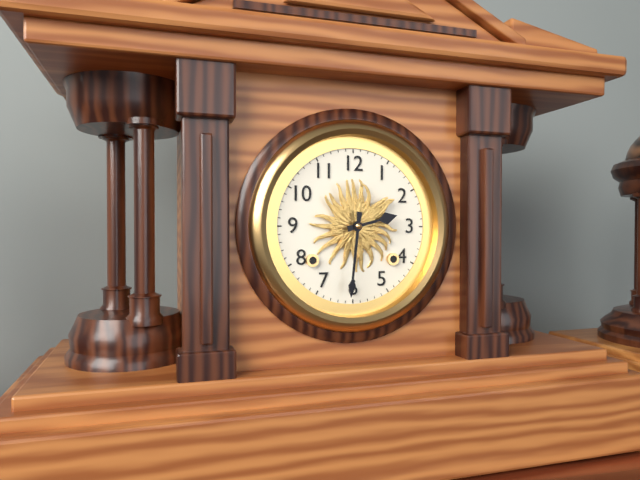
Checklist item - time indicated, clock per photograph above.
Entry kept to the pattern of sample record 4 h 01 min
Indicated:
2 h 31 min
